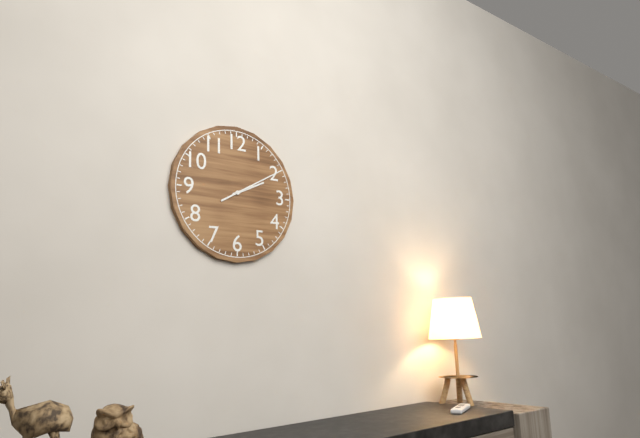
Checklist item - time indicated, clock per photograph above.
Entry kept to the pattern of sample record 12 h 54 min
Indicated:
2 h 10 min
